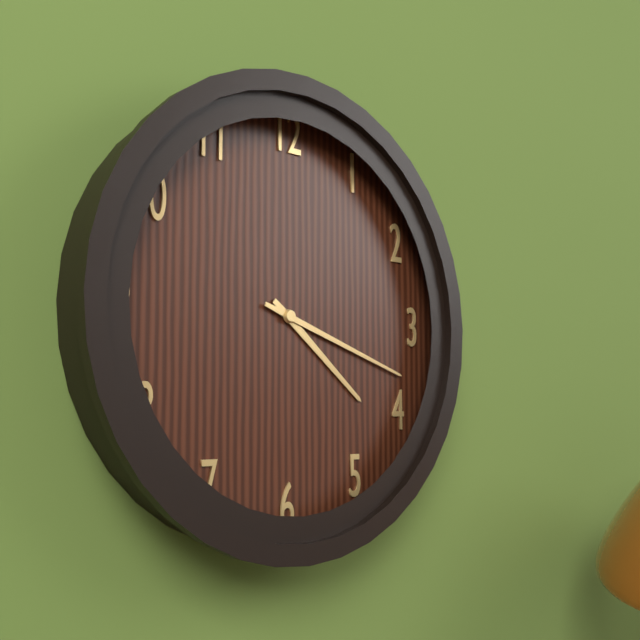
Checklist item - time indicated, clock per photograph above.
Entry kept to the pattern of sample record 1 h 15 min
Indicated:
4 h 18 min
